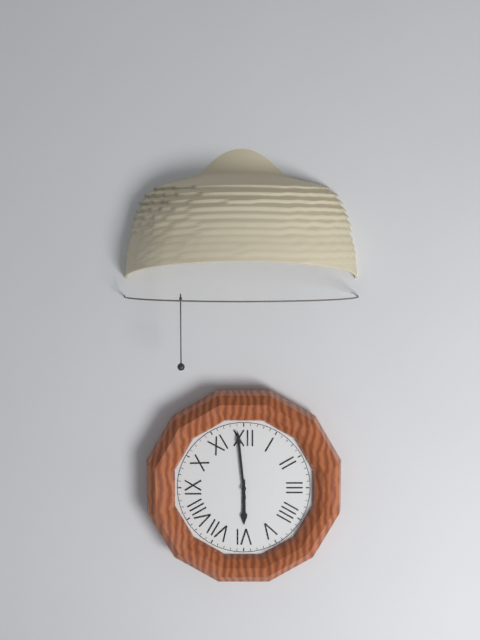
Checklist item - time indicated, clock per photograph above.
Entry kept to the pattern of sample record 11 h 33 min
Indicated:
5 h 59 min
